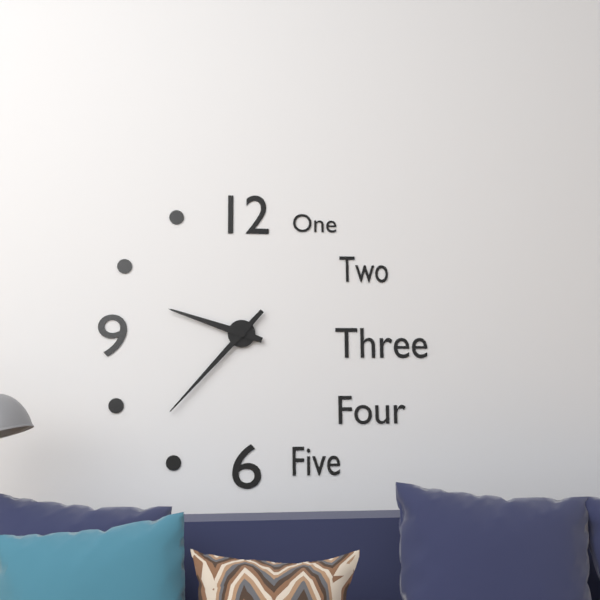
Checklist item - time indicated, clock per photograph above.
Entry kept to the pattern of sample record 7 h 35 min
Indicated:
9 h 37 min
